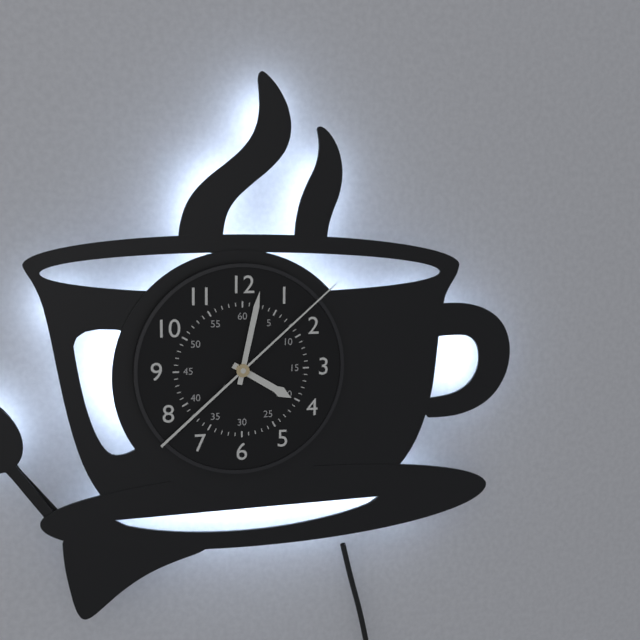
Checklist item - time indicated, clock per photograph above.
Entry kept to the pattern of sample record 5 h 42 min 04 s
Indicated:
4 h 02 min 08 s
